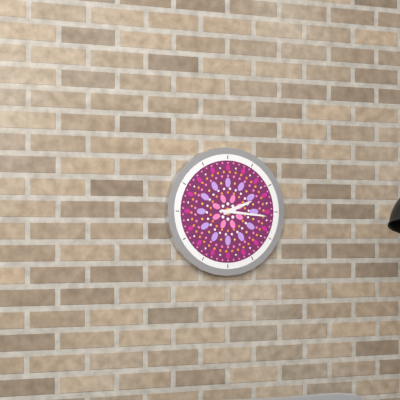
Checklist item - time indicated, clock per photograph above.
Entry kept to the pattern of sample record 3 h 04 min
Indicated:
2 h 16 min
